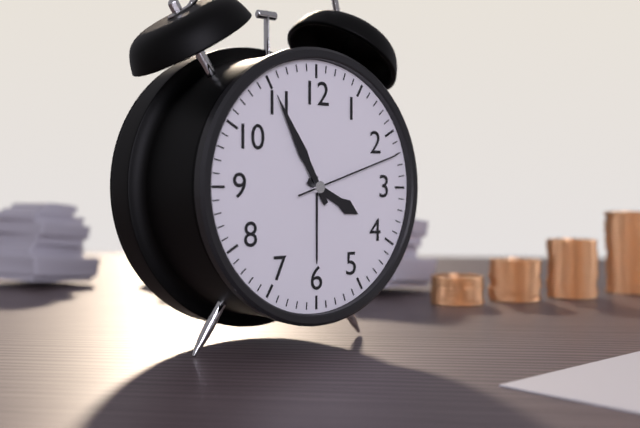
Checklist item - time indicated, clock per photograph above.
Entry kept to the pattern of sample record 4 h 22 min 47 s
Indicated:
3 h 55 min 12 s
